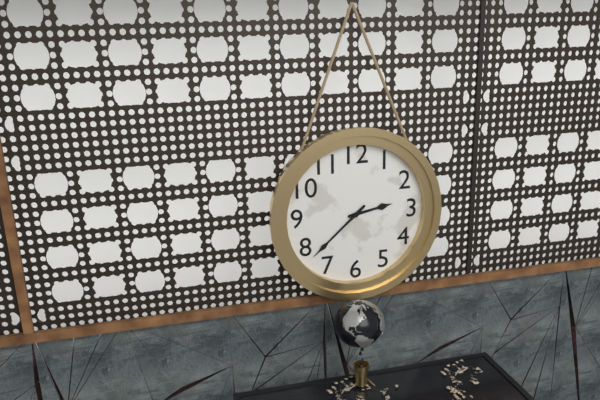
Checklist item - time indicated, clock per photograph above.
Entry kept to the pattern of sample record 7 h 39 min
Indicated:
2 h 38 min
